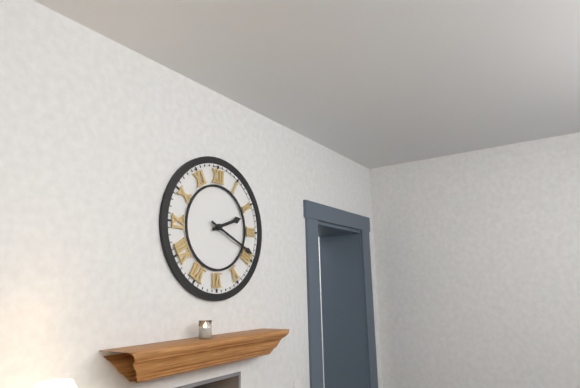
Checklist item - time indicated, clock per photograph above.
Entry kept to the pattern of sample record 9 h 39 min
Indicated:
2 h 19 min
